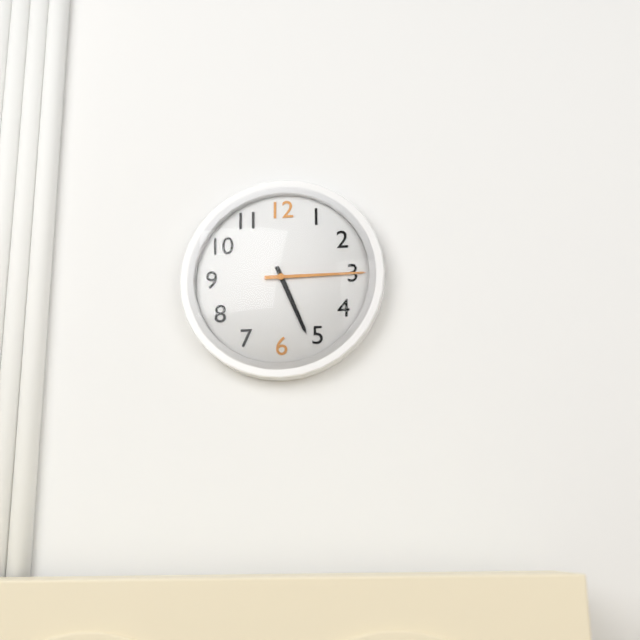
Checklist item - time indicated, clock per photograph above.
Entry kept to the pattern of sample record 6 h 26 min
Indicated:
5 h 15 min
